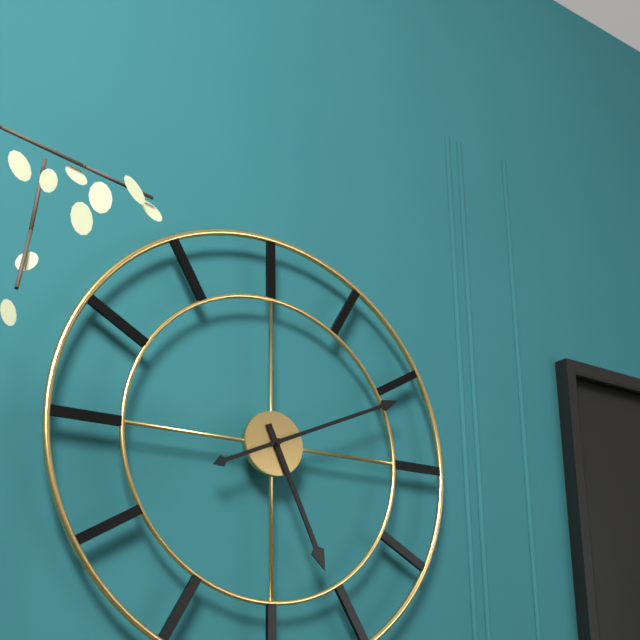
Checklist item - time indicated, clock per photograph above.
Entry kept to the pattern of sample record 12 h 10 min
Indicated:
5 h 11 min
